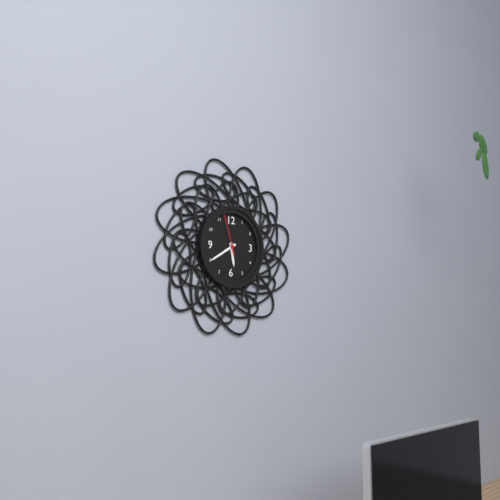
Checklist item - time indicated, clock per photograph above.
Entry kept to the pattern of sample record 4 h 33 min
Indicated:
5 h 40 min
